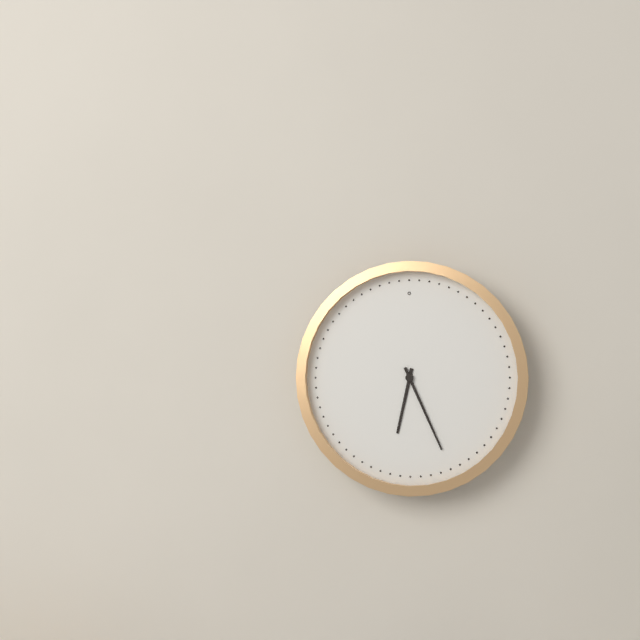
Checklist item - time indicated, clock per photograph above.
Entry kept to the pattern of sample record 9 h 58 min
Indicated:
6 h 26 min
